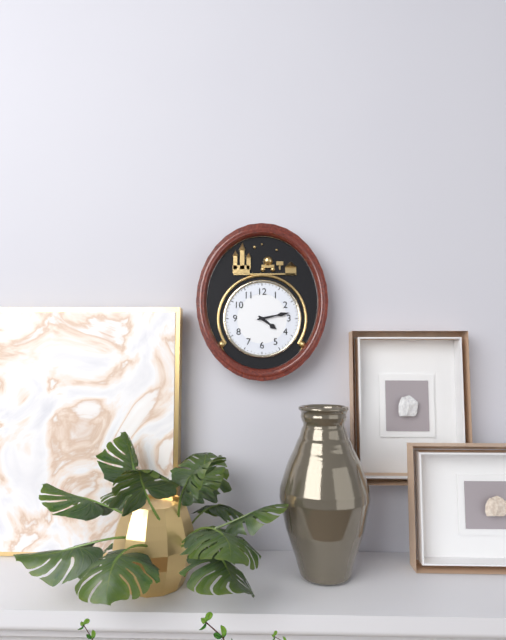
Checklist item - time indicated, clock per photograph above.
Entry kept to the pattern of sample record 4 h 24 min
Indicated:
4 h 13 min
